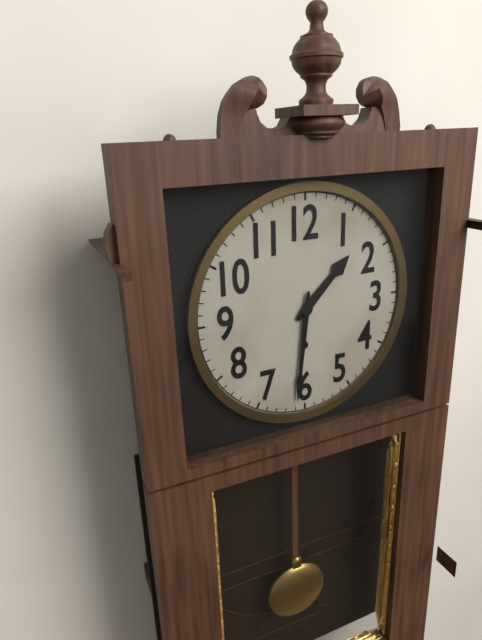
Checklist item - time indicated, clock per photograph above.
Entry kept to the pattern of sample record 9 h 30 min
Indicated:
1 h 31 min
